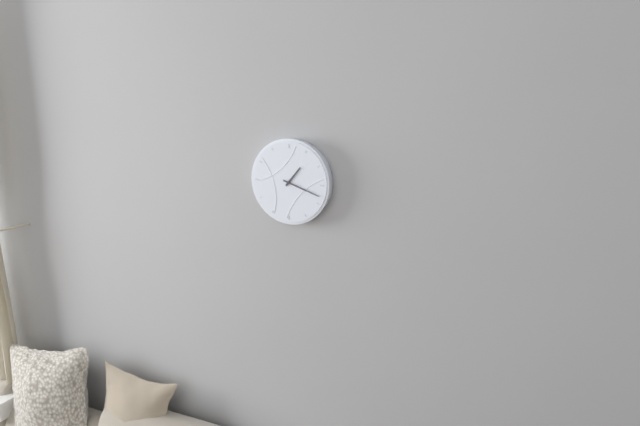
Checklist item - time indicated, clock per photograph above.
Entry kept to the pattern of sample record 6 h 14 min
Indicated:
1 h 18 min
